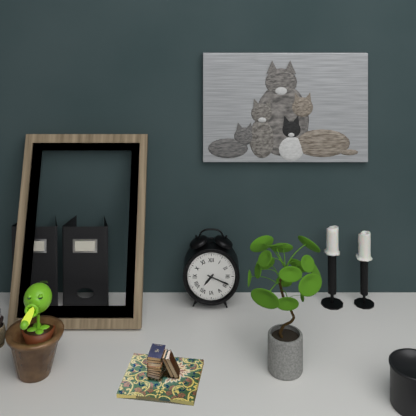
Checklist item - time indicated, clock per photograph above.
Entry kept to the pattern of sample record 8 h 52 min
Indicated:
7 h 19 min
